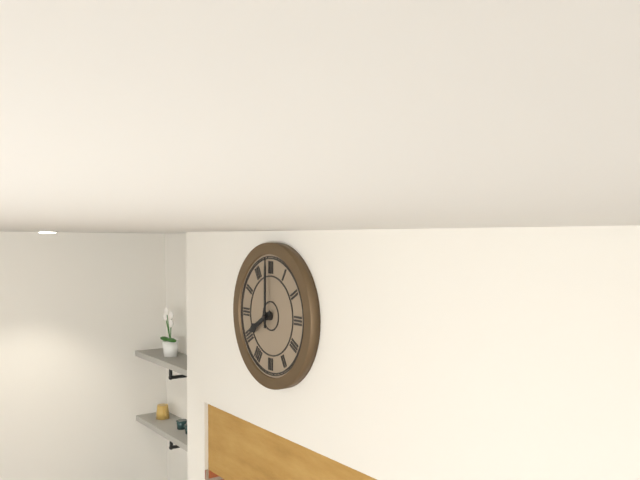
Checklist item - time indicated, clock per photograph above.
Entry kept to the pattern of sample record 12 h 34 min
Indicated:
8 h 00 min
